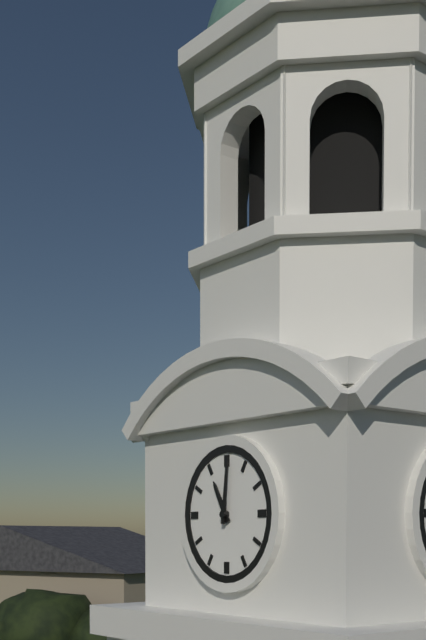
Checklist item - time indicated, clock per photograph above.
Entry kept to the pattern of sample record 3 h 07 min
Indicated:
11 h 01 min
